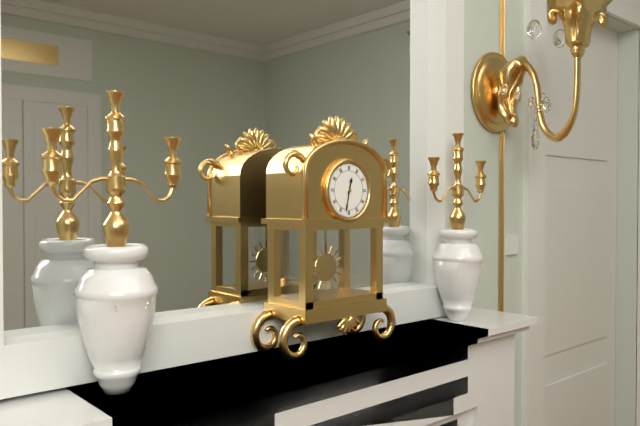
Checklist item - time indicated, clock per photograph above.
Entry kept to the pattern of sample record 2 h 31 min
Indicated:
12 h 32 min
